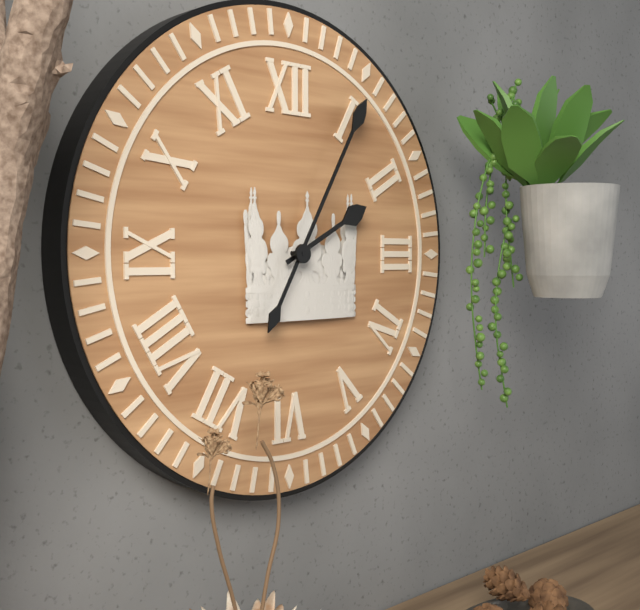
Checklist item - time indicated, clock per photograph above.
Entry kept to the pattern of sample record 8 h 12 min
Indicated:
2 h 05 min
